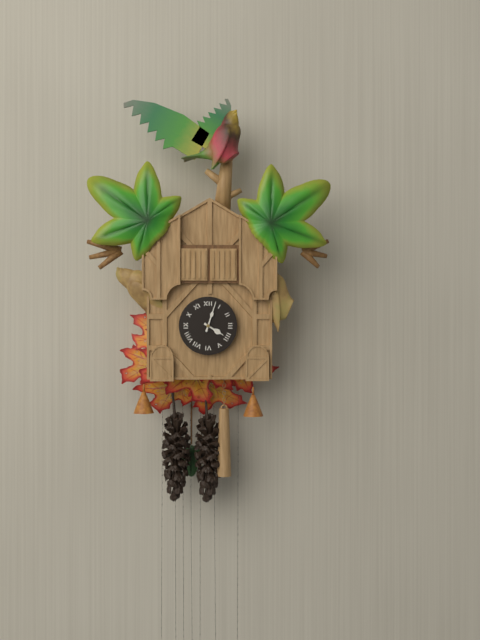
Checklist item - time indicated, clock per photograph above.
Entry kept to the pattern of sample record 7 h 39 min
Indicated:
4 h 03 min
